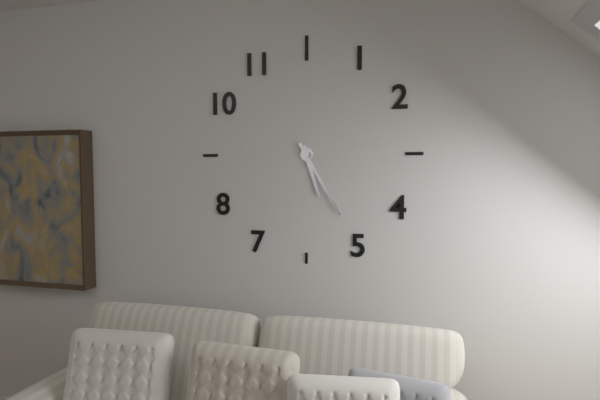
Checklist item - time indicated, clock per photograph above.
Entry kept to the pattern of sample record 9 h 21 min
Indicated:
5 h 25 min
